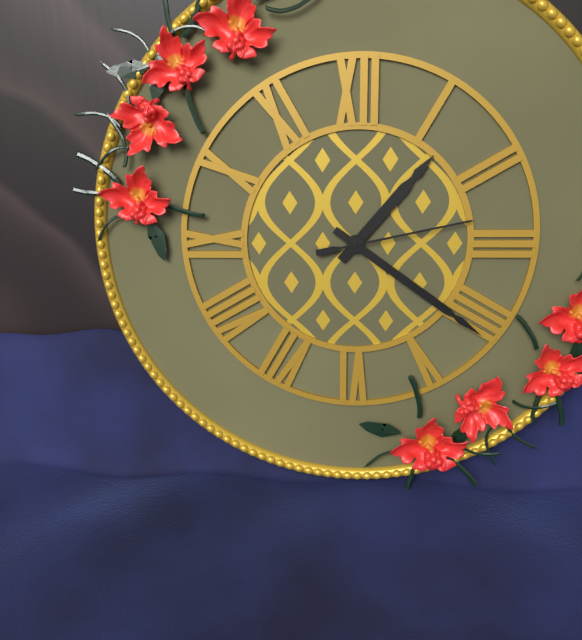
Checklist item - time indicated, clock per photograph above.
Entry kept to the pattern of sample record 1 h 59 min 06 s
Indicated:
1 h 21 min 13 s
